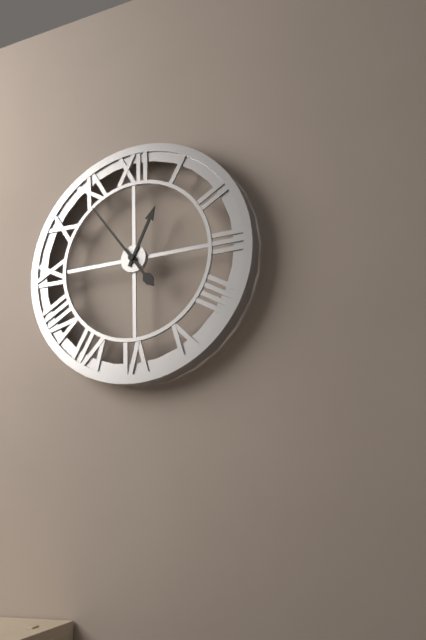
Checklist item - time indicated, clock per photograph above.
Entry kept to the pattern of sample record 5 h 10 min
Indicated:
12 h 54 min
